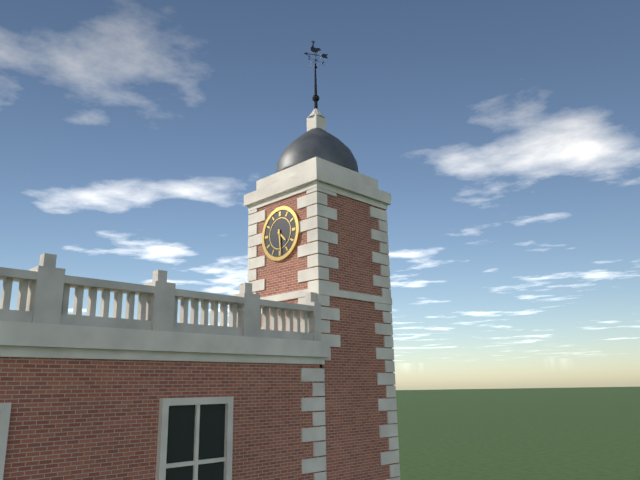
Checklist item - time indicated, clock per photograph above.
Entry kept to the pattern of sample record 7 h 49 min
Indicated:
4 h 29 min
